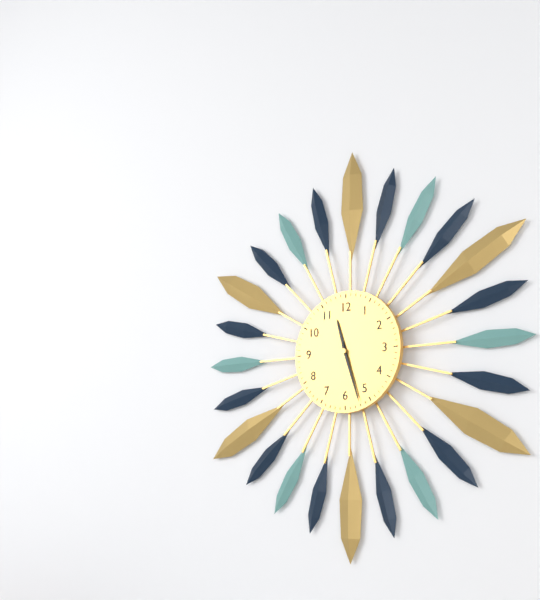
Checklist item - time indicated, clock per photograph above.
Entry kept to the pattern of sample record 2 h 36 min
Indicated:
11 h 27 min
